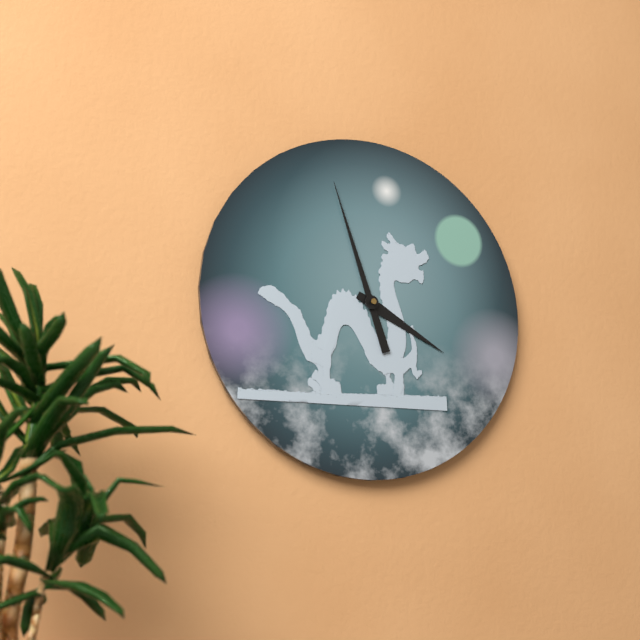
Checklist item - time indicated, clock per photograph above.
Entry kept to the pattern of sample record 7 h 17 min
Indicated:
3 h 57 min
